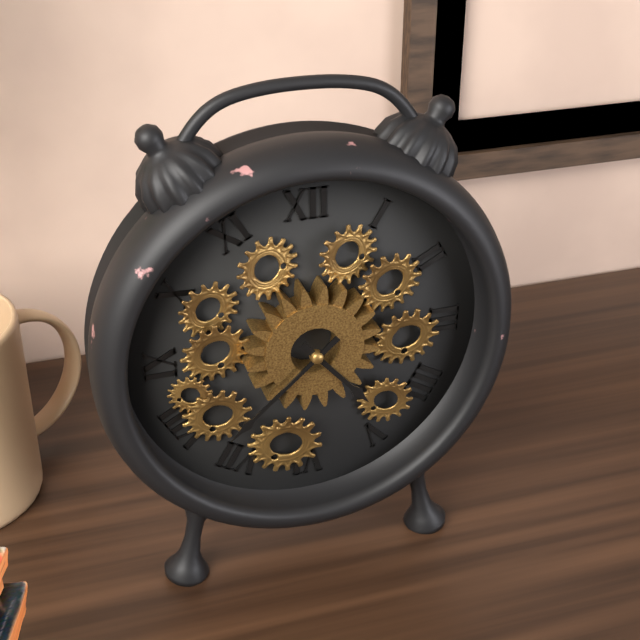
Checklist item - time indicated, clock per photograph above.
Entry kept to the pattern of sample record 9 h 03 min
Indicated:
4 h 38 min
